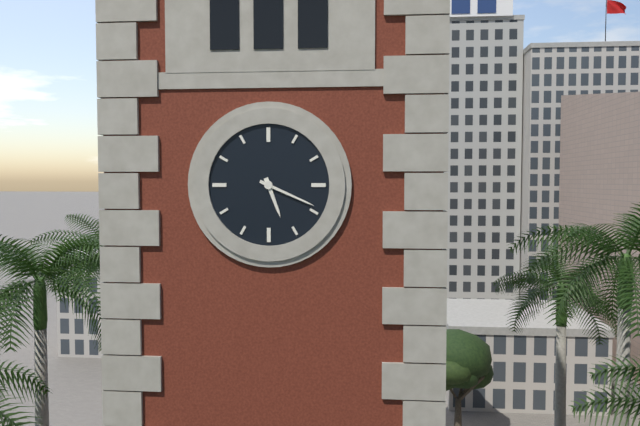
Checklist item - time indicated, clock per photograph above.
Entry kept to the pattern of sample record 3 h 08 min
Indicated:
5 h 19 min
